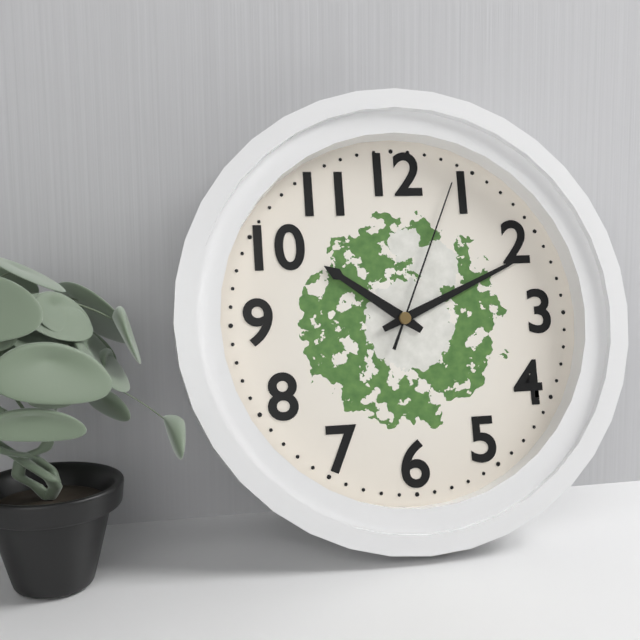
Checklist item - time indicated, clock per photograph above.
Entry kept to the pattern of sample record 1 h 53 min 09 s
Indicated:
10 h 11 min 04 s
